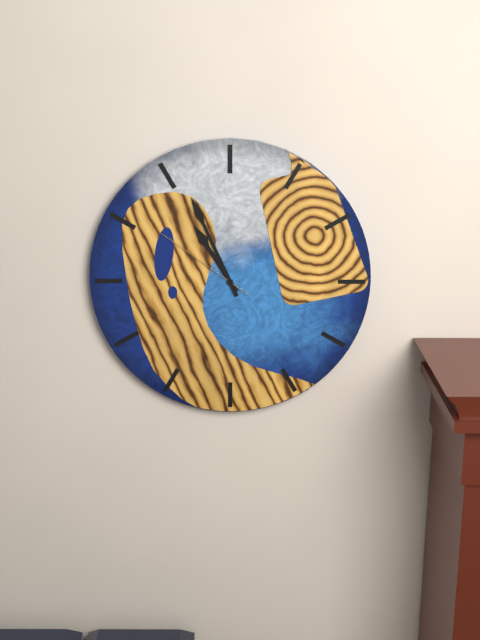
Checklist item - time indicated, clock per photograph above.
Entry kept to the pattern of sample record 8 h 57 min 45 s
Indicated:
10 h 56 min 51 s
